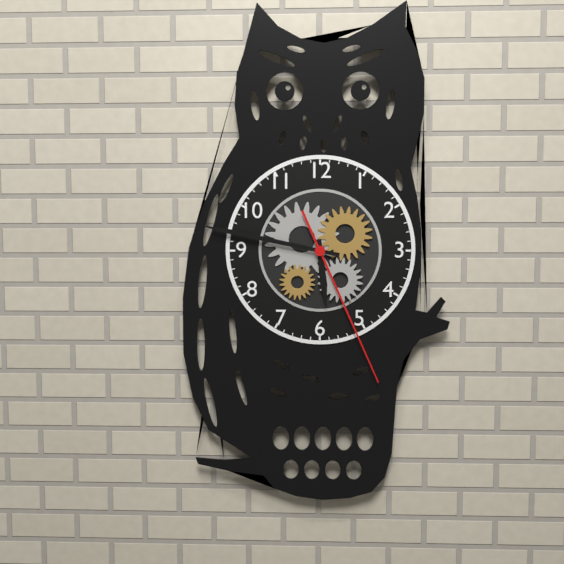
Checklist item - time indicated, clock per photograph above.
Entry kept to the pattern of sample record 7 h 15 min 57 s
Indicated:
5 h 47 min 26 s
